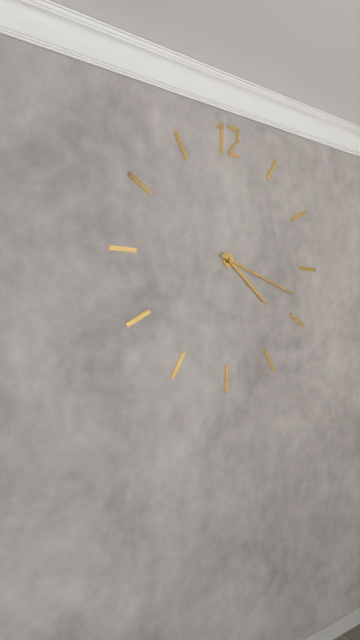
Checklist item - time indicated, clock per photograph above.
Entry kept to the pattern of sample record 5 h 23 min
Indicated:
4 h 18 min
